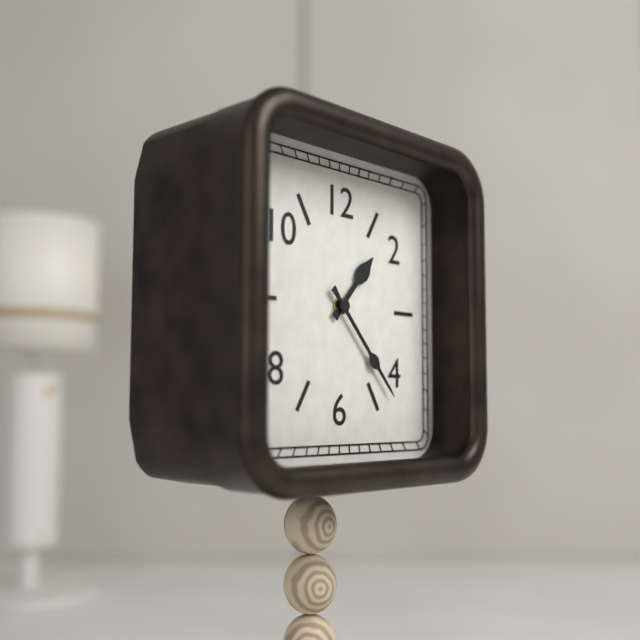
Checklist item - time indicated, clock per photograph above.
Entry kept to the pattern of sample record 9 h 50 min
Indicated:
1 h 23 min
